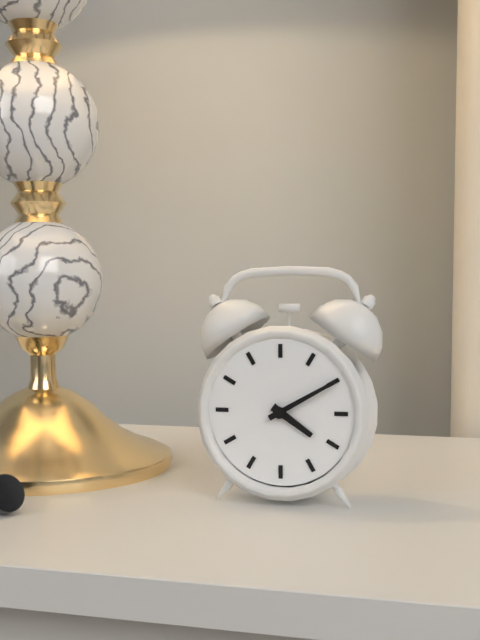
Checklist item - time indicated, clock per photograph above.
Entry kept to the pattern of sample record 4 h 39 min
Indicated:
4 h 10 min
